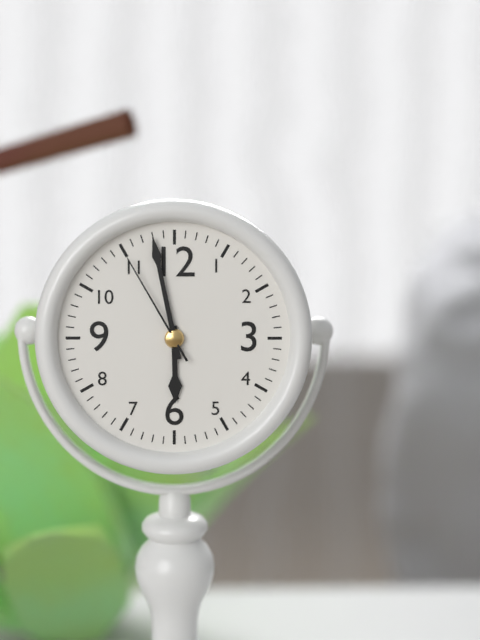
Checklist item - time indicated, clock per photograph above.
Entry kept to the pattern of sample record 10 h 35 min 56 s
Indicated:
5 h 58 min 55 s
